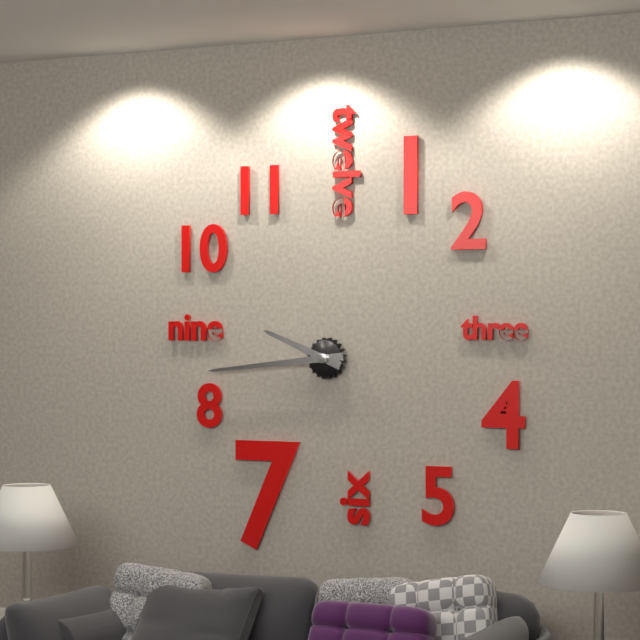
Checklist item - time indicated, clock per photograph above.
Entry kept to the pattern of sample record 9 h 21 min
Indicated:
9 h 44 min
